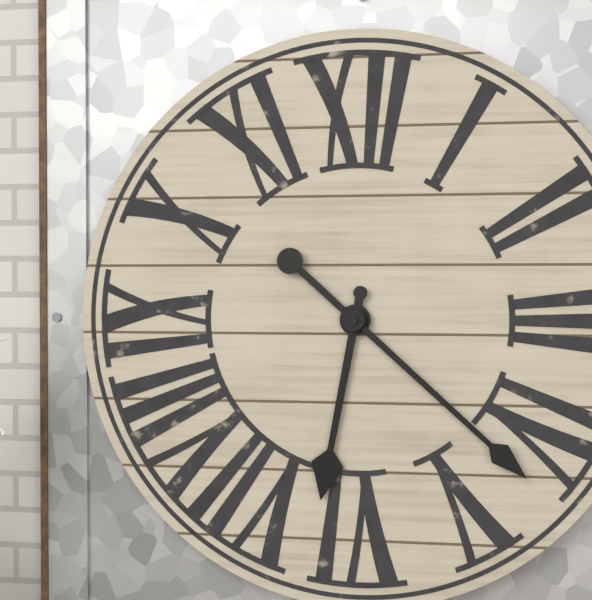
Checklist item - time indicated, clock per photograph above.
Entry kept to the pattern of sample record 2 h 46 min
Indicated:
6 h 22 min
